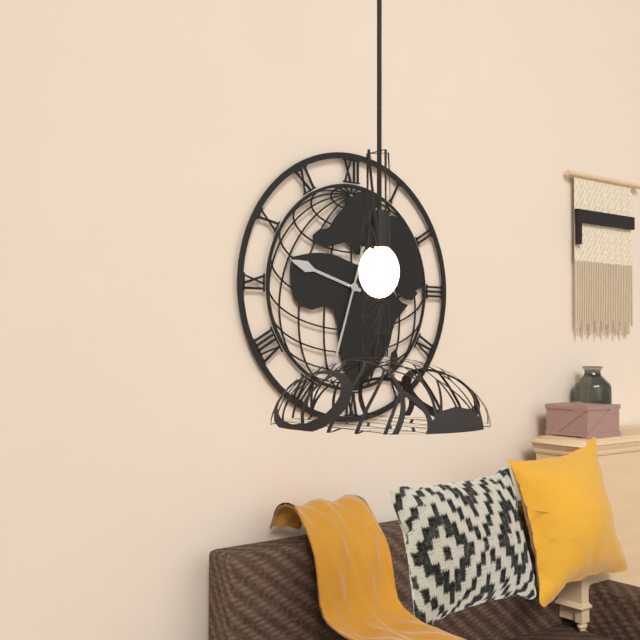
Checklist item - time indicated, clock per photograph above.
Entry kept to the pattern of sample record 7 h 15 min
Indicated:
9 h 33 min
